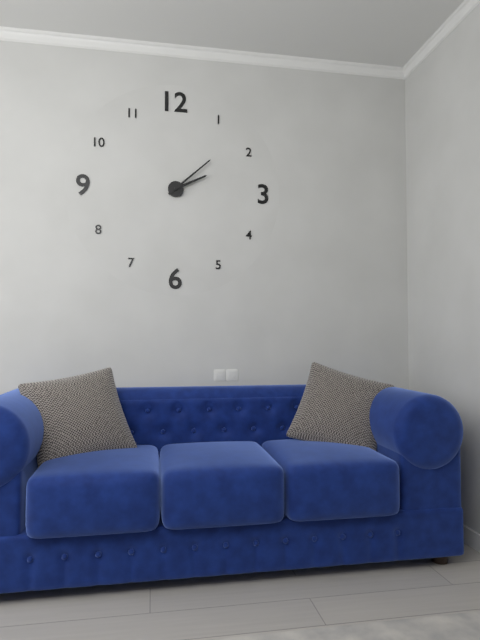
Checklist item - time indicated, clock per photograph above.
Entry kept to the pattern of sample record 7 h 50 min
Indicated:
2 h 08 min
